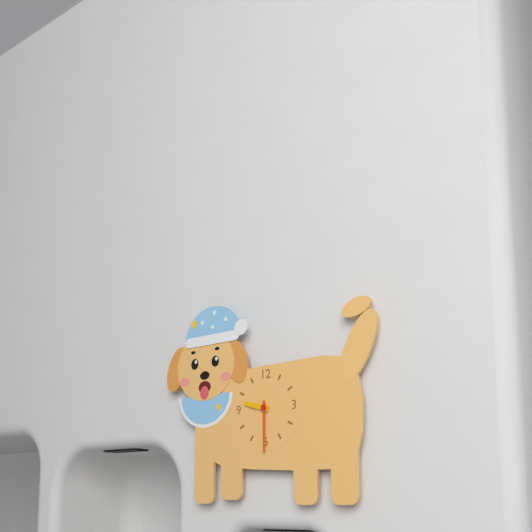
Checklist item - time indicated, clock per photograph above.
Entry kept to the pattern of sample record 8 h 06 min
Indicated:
9 h 30 min
